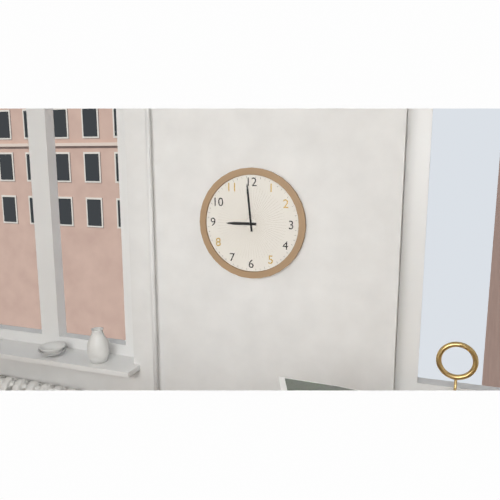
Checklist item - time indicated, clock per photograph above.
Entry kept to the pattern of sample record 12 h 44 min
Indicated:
8 h 59 min
